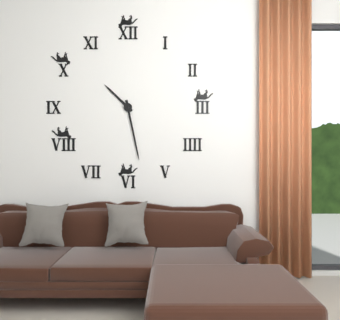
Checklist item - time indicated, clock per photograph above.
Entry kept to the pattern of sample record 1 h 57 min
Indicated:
10 h 28 min
